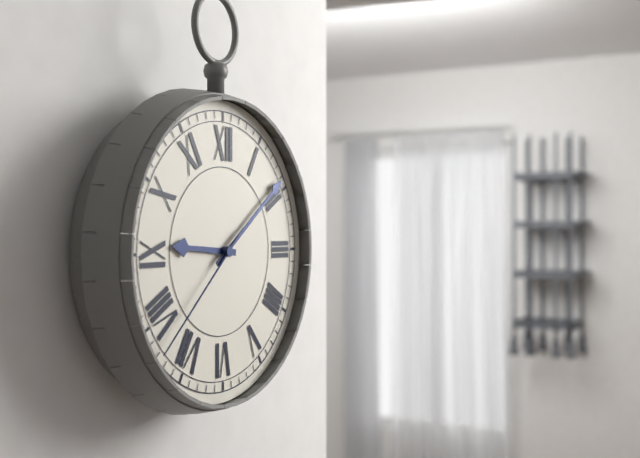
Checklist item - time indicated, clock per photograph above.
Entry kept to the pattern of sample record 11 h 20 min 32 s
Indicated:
9 h 09 min 38 s
